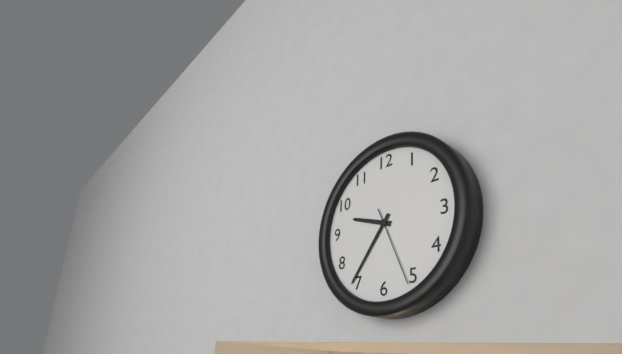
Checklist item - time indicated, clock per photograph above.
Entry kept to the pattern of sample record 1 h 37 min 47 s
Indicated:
9 h 36 min 26 s
